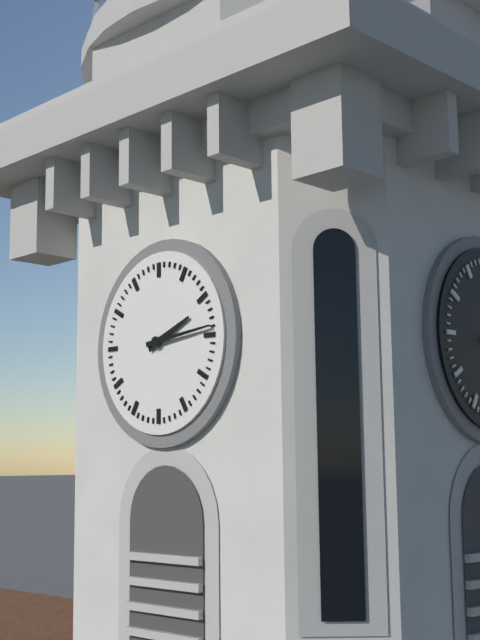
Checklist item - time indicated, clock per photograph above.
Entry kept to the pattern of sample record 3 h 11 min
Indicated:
2 h 14 min
